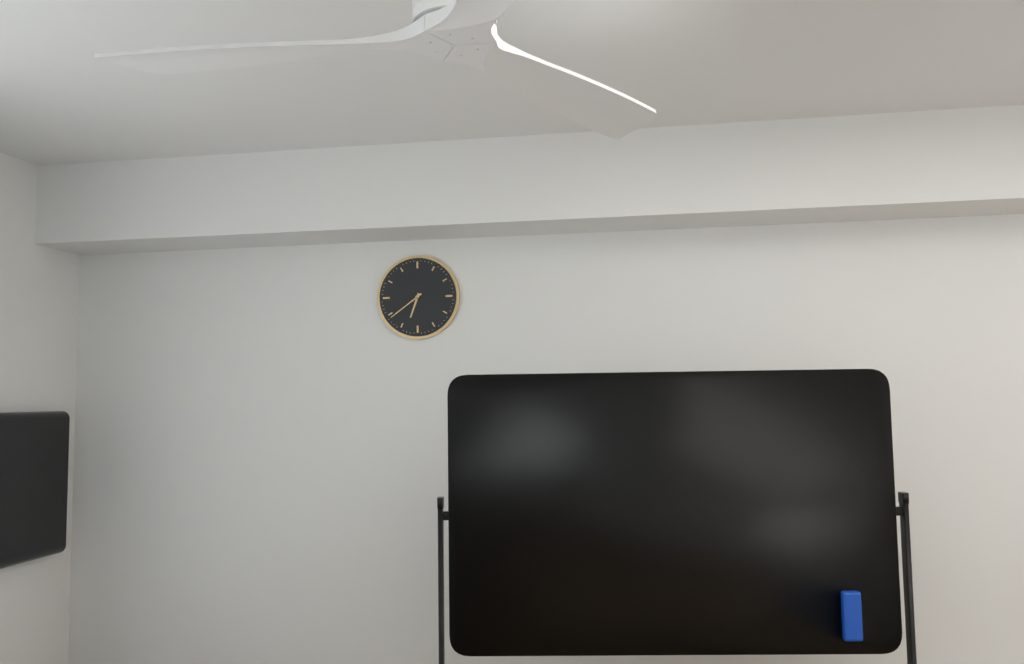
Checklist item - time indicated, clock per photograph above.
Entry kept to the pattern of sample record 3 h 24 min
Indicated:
6 h 39 min
